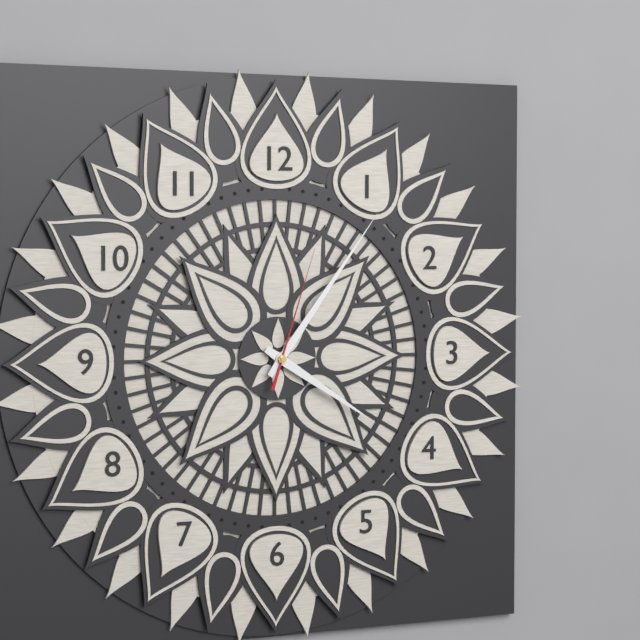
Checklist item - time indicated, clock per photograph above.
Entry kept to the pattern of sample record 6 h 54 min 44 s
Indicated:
4 h 06 min 03 s
